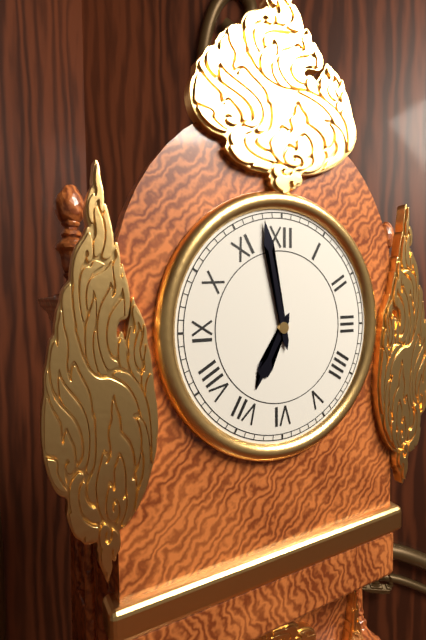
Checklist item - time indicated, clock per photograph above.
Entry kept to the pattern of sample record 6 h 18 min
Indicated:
6 h 58 min
